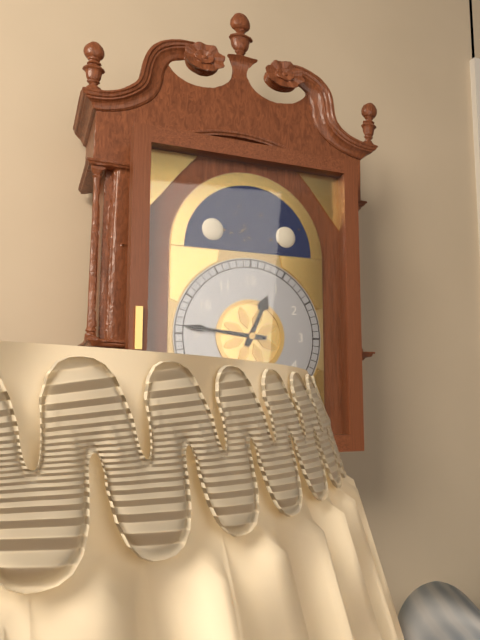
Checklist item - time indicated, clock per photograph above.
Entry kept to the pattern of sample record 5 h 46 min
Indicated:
12 h 46 min
